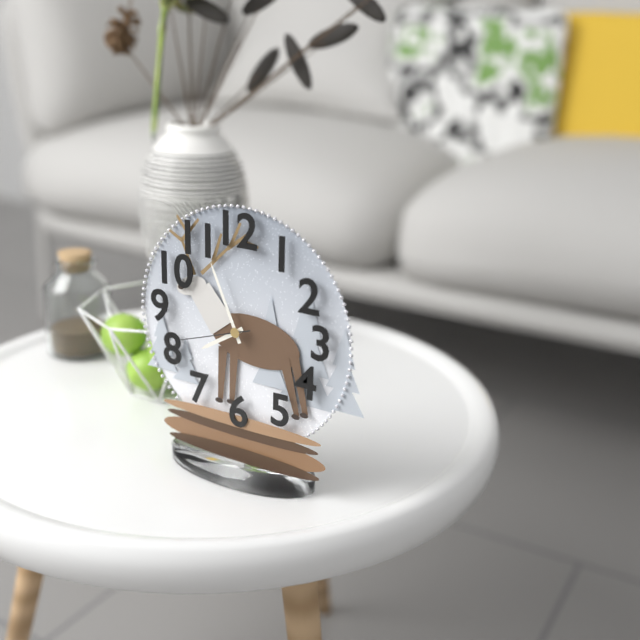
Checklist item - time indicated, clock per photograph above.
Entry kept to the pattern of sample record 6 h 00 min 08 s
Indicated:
7 h 56 min 42 s
